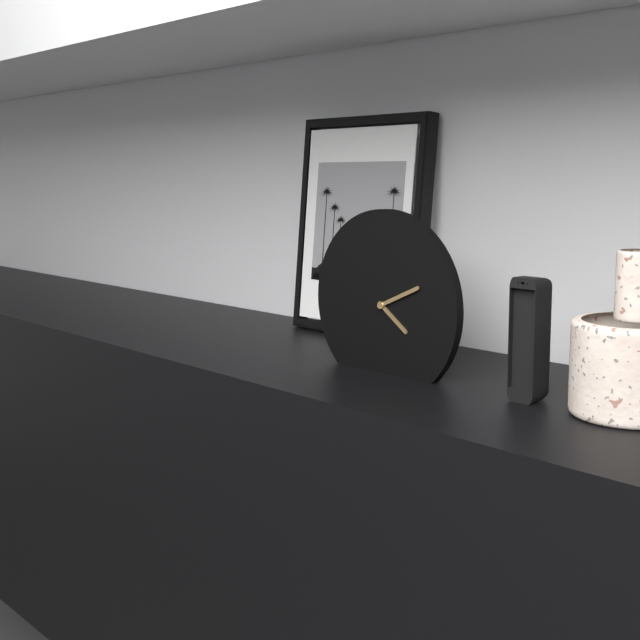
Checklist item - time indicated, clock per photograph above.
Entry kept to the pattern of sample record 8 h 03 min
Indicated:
4 h 11 min
